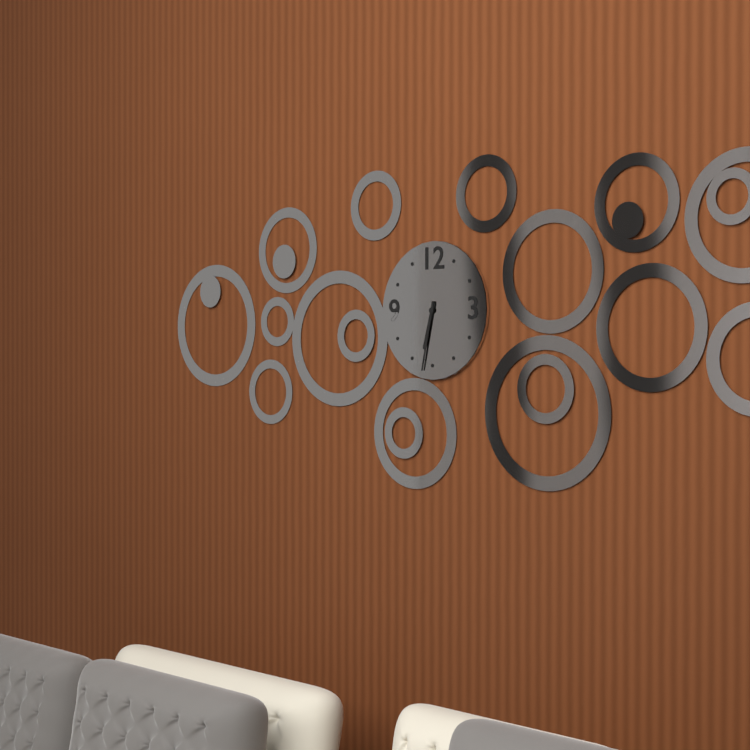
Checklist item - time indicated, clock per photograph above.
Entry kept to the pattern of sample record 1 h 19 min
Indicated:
6 h 32 min
